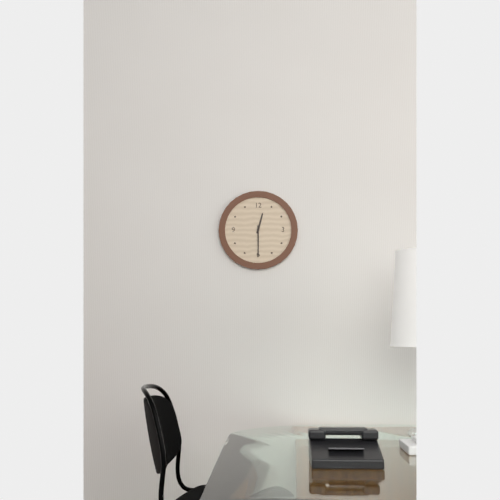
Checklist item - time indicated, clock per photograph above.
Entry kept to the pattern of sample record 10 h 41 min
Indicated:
12 h 30 min
